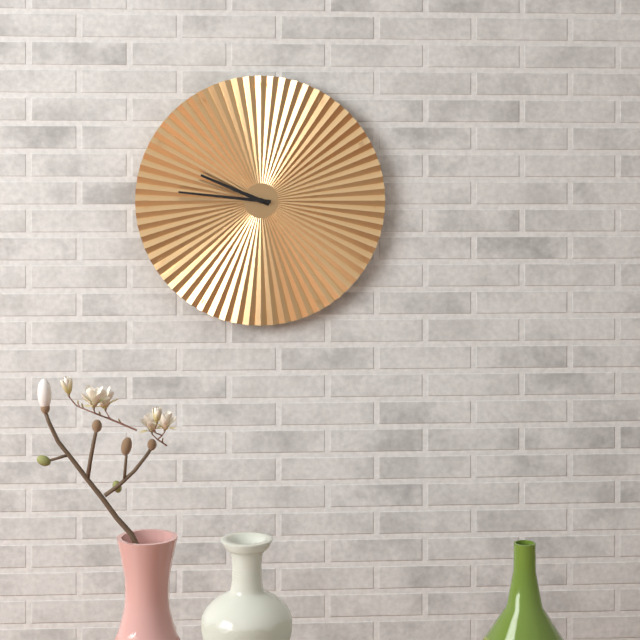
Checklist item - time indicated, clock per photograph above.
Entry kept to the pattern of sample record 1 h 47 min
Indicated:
9 h 46 min
